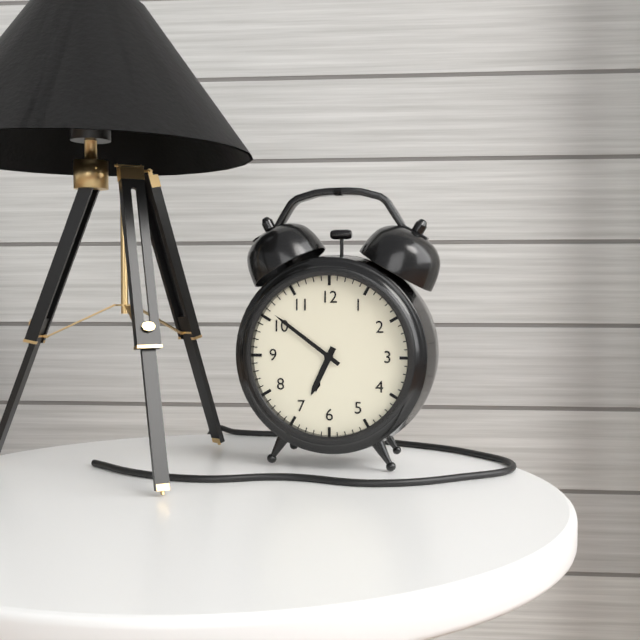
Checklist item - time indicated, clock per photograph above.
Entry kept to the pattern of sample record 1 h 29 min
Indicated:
6 h 51 min
